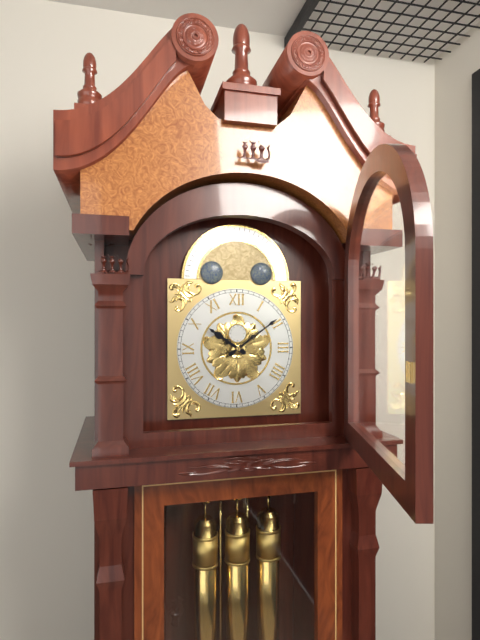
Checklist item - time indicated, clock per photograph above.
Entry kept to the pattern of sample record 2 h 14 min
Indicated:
10 h 09 min
